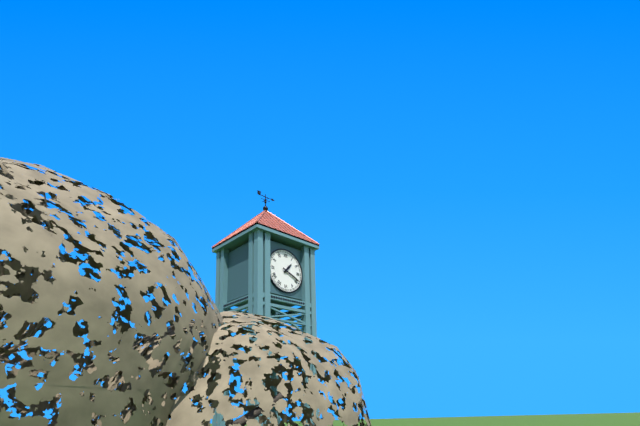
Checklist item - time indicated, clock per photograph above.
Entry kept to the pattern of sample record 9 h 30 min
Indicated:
1 h 19 min
